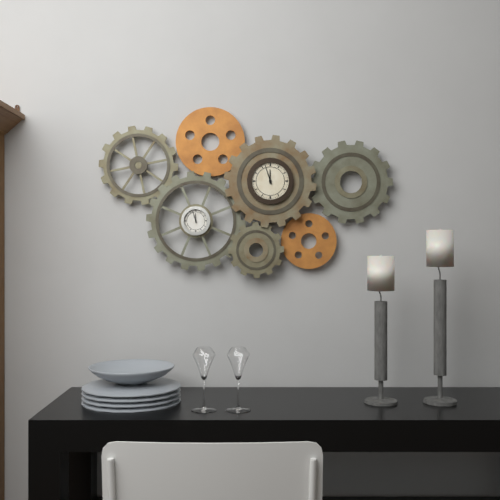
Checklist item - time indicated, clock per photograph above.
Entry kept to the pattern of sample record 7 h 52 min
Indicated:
11 h 57 min
